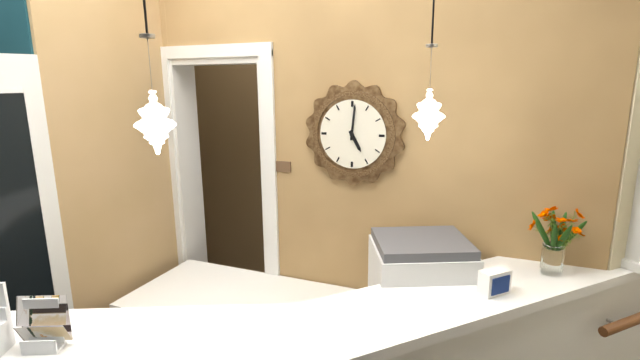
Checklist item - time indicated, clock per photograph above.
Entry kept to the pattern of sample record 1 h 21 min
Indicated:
5 h 01 min
